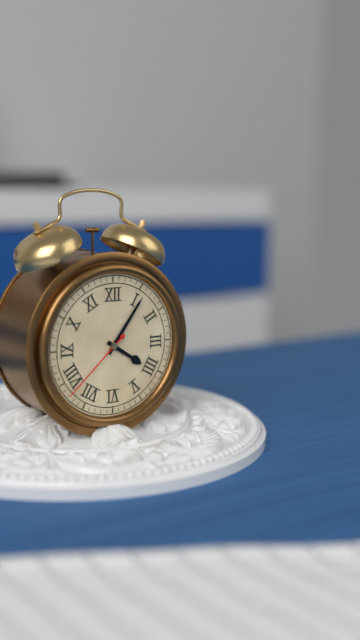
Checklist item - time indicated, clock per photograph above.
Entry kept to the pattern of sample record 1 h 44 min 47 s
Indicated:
4 h 06 min 38 s
